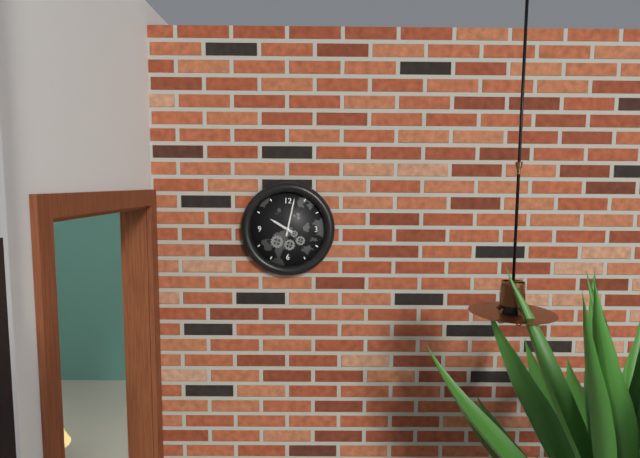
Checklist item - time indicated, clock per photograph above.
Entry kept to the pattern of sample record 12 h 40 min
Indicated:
10 h 02 min
